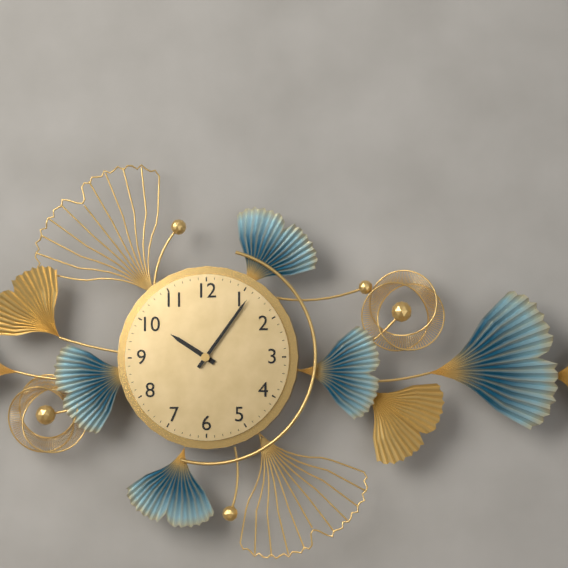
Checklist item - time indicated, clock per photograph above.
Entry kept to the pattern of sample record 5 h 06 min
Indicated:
10 h 06 min
